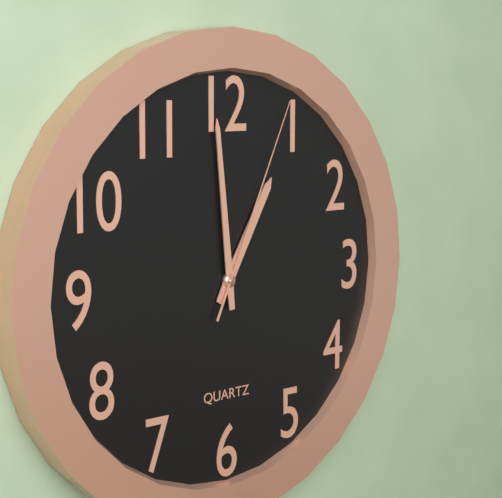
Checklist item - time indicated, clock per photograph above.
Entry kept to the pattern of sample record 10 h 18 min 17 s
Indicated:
12 h 59 min 04 s
